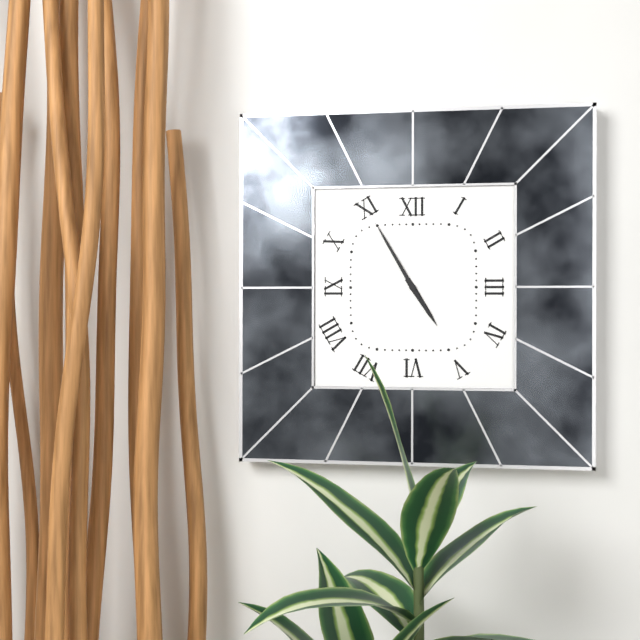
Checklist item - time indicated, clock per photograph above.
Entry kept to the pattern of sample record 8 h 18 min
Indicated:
4 h 55 min
